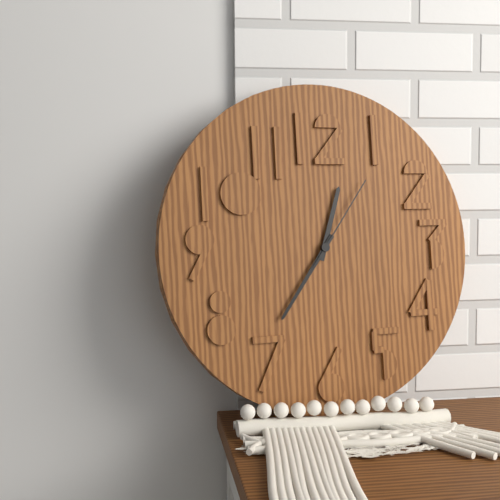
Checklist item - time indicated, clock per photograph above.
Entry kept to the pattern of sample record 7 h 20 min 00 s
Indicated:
12 h 36 min 06 s
